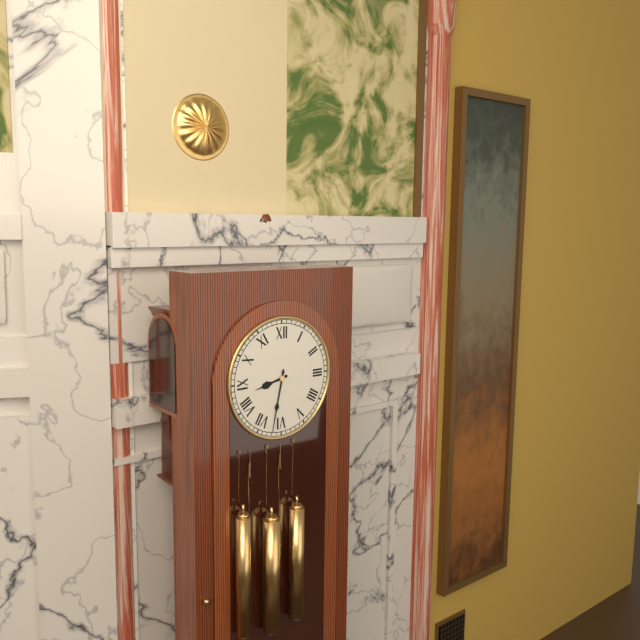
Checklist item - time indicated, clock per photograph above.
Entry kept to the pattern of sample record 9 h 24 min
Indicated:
8 h 32 min
